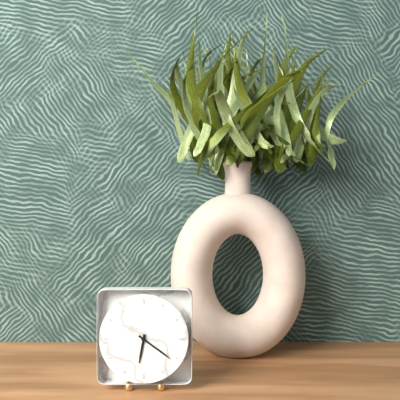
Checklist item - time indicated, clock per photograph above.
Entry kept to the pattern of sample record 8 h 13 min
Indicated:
6 h 21 min
